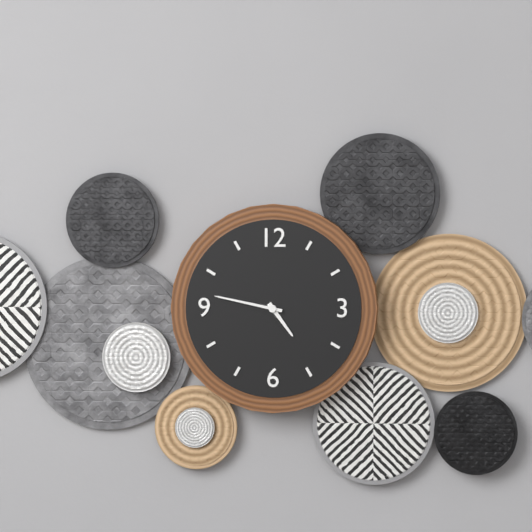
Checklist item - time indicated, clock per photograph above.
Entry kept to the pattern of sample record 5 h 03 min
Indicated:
4 h 47 min
